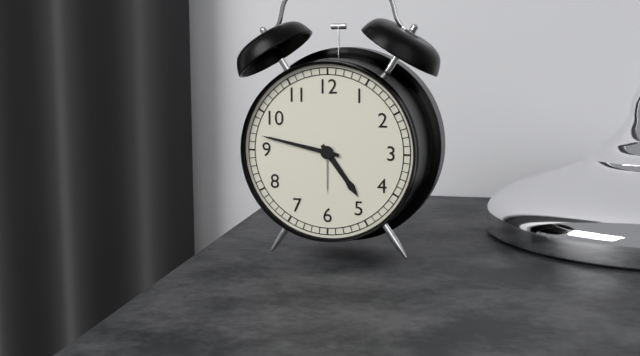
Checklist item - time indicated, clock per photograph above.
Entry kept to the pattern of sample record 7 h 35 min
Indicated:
4 h 47 min
